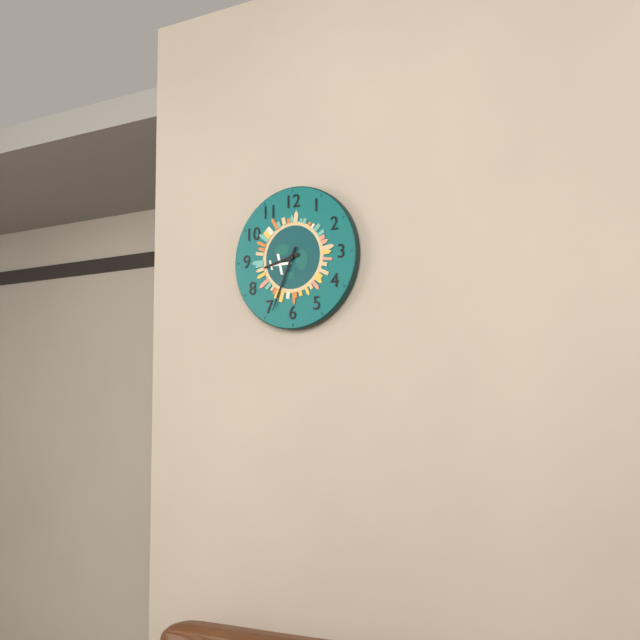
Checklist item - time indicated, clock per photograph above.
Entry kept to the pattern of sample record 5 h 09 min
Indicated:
8 h 34 min
